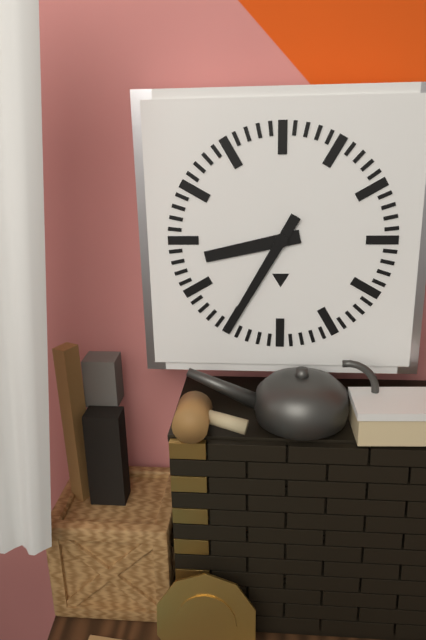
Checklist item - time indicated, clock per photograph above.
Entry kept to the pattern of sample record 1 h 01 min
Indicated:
8 h 35 min
